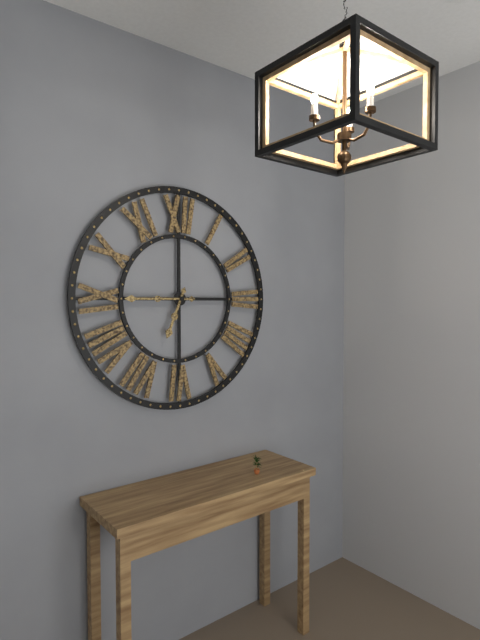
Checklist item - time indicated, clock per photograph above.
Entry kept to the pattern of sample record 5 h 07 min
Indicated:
6 h 45 min
